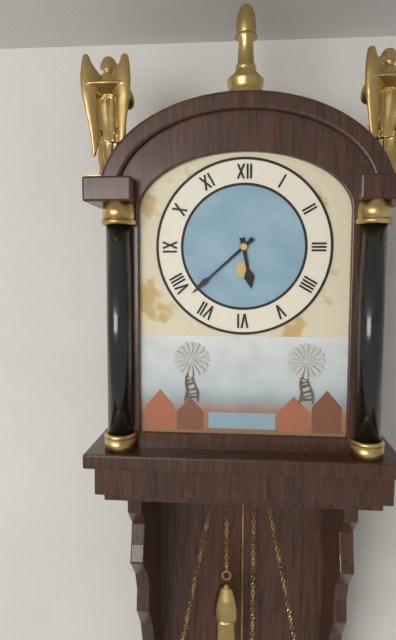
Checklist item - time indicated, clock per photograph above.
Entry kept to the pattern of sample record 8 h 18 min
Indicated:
5 h 38 min
